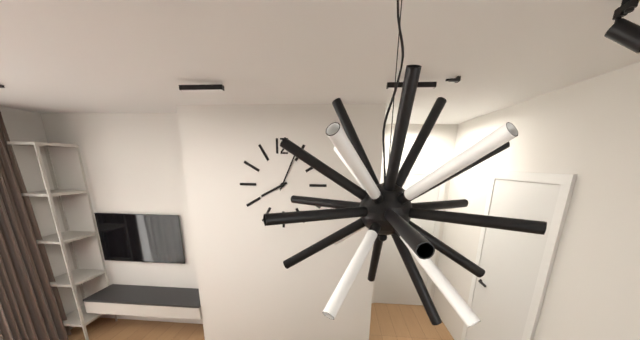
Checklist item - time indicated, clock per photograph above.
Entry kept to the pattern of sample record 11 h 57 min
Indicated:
8 h 04 min
